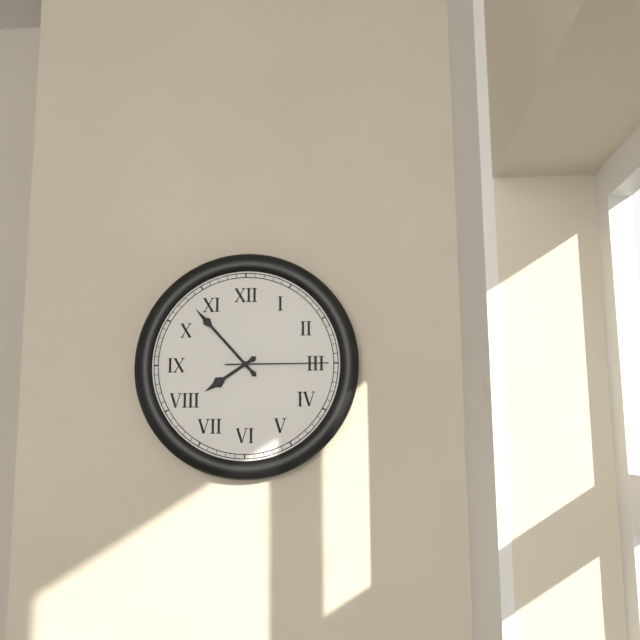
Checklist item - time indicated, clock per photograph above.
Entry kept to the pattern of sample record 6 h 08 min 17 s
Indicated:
7 h 53 min 15 s
